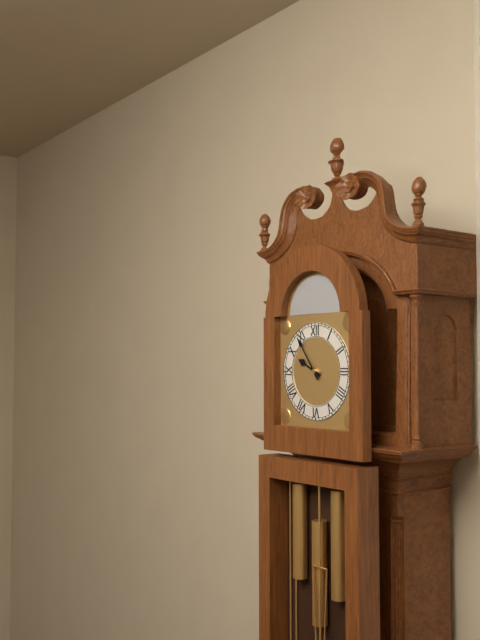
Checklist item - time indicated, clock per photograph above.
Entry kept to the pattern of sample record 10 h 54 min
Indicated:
9 h 54 min
